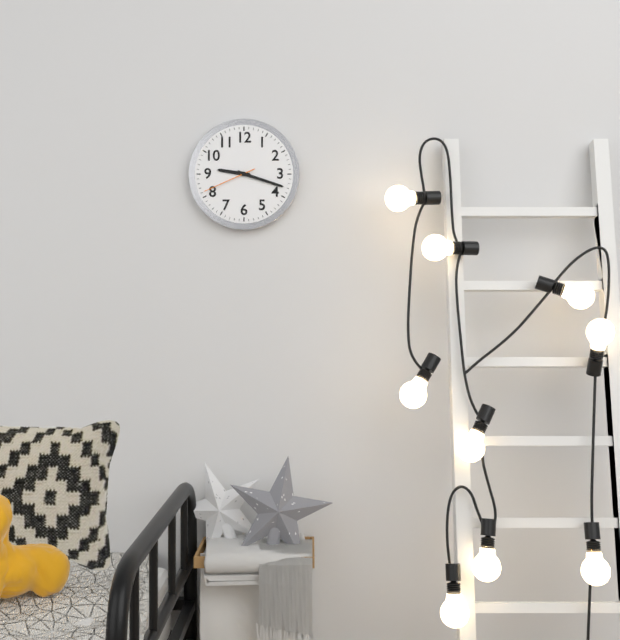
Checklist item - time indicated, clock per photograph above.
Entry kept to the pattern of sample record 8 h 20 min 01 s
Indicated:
9 h 18 min 41 s
